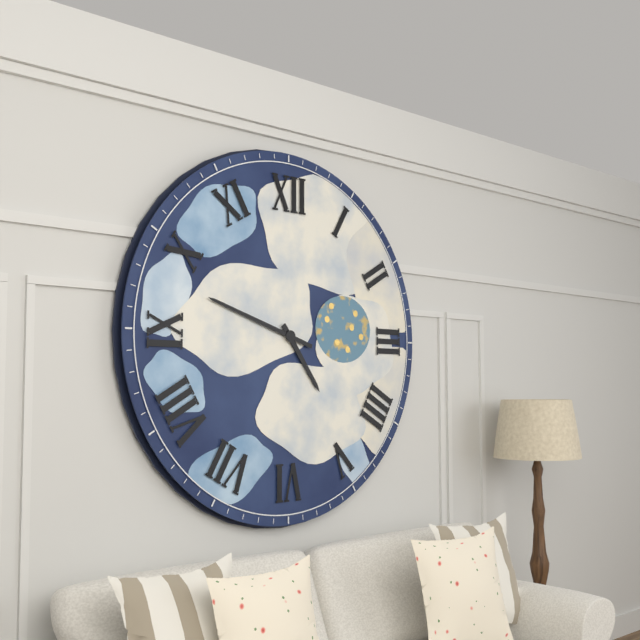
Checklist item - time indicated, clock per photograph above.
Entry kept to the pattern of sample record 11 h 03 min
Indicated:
4 h 48 min
